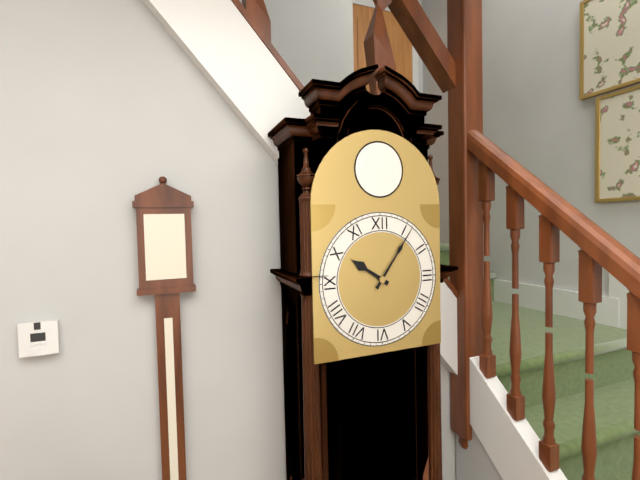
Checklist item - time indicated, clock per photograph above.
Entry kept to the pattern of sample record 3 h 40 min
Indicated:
10 h 06 min
